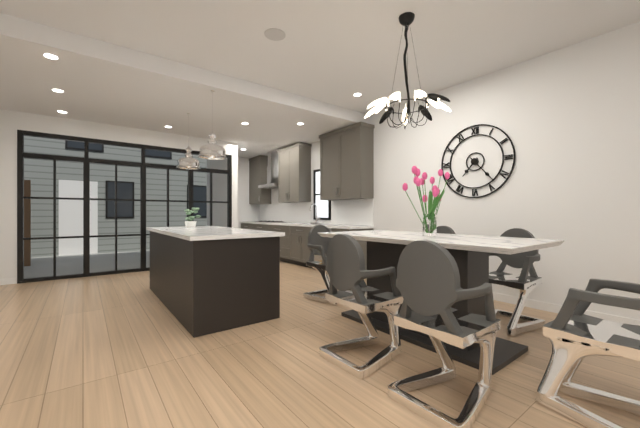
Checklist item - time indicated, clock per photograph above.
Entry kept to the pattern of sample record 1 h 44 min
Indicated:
7 h 23 min
